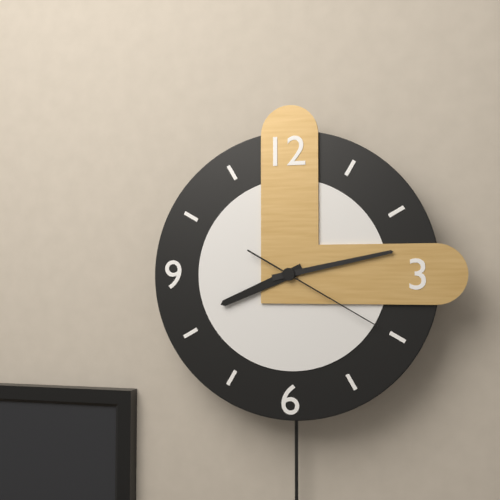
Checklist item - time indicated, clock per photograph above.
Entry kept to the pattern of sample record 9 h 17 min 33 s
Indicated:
8 h 13 min 20 s
